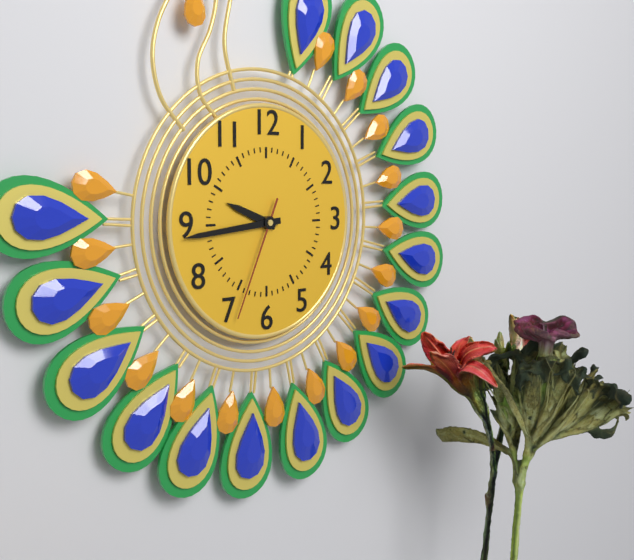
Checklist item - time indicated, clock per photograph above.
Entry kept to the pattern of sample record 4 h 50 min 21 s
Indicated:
9 h 44 min 34 s
